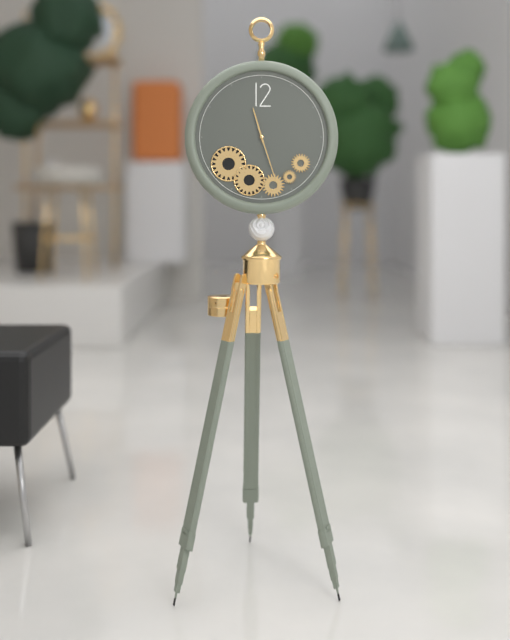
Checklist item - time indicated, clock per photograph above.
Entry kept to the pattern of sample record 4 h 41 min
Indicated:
11 h 27 min
